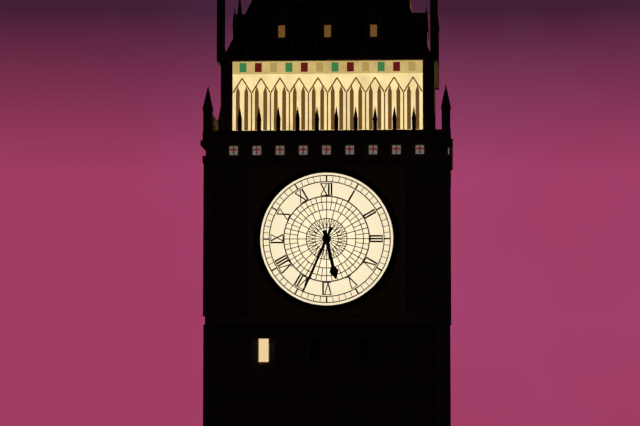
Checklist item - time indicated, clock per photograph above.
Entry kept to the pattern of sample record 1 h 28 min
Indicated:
5 h 34 min
